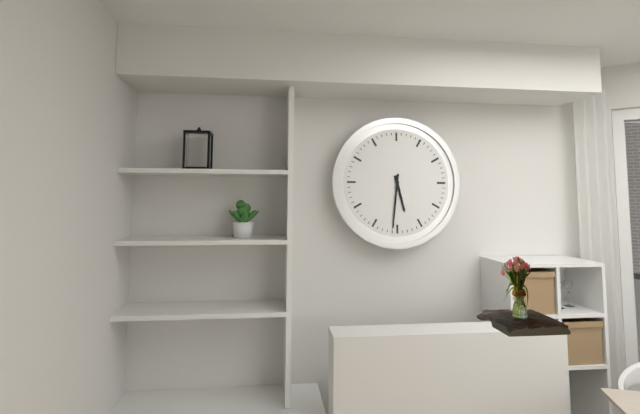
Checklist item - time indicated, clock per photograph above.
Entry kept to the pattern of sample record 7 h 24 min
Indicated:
5 h 31 min
